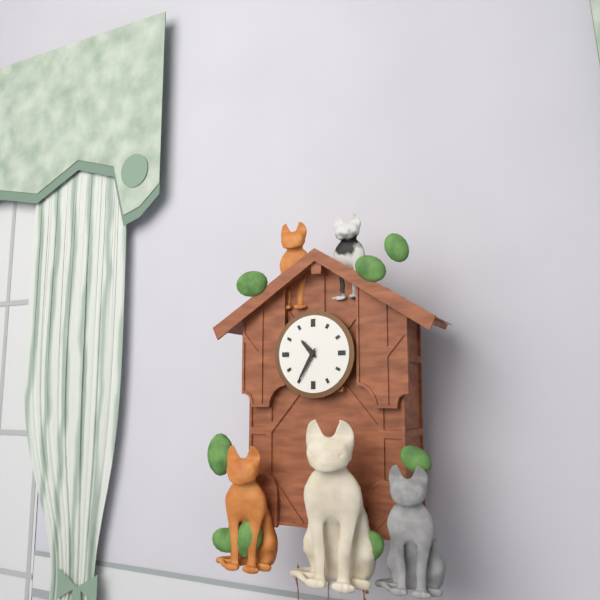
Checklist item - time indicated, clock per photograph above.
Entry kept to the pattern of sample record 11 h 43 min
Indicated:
10 h 35 min
